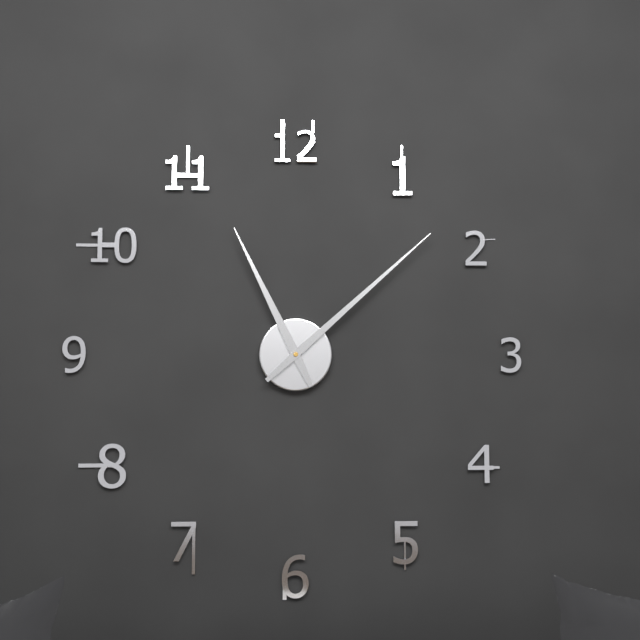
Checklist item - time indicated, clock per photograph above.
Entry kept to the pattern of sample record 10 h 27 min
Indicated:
11 h 08 min
